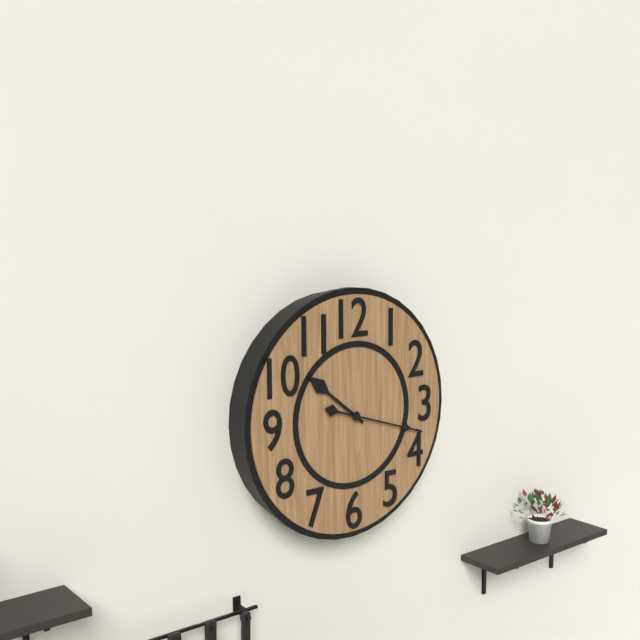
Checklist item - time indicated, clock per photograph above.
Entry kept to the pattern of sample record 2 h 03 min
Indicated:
10 h 18 min
